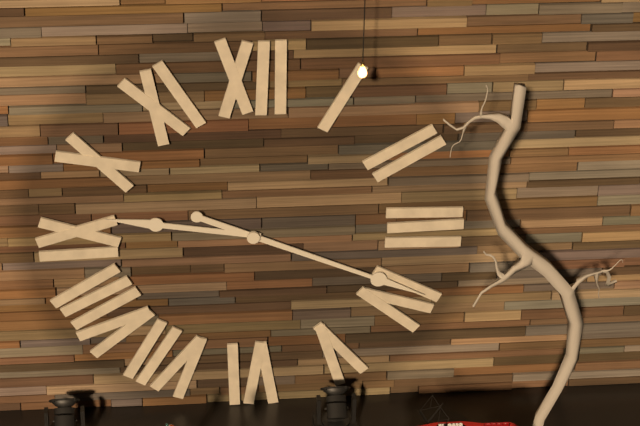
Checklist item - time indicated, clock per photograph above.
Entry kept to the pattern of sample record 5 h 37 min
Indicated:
9 h 19 min
